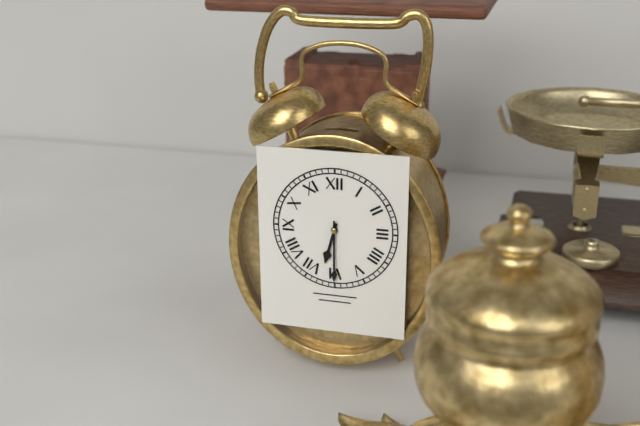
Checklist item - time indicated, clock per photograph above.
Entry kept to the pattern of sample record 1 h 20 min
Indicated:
6 h 30 min
